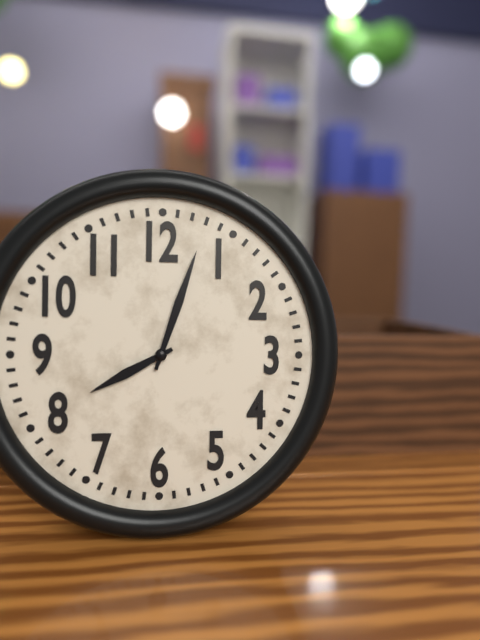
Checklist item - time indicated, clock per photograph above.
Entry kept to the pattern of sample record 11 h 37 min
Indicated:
8 h 03 min
